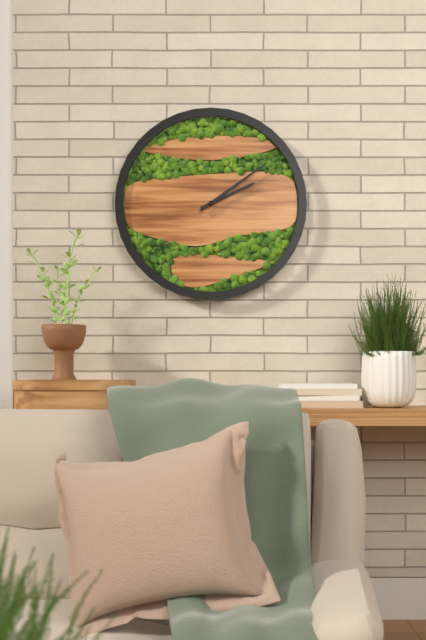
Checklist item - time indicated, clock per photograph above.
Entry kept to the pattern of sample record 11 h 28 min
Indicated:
2 h 09 min
